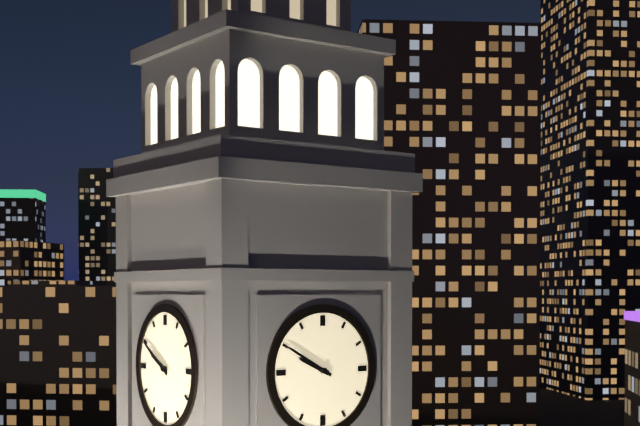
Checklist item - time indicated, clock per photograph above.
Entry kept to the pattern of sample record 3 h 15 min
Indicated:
9 h 50 min
